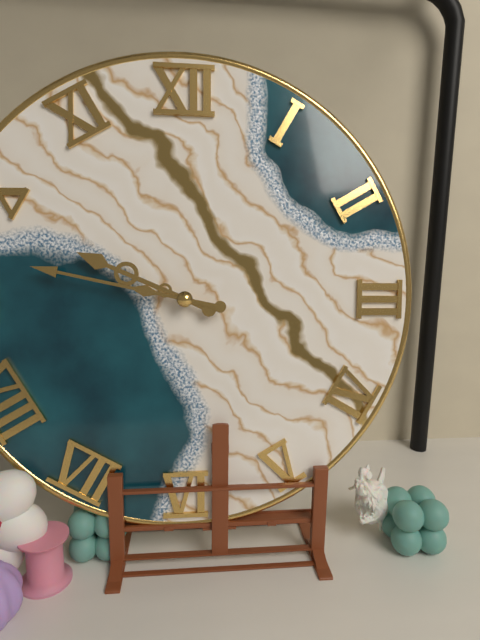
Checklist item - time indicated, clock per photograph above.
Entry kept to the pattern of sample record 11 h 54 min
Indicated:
9 h 47 min
